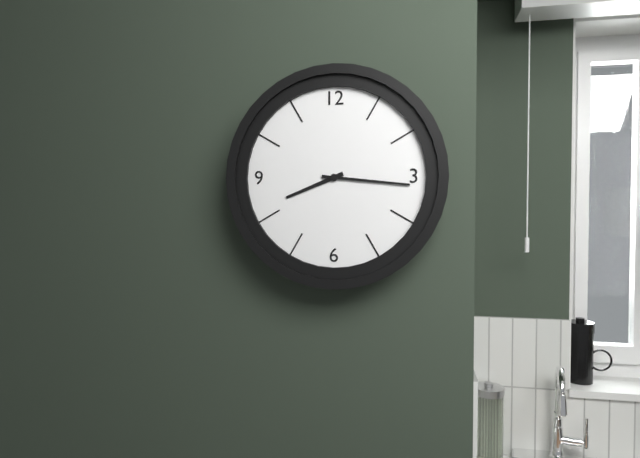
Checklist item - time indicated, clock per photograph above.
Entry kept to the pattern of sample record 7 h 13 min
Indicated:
8 h 16 min
